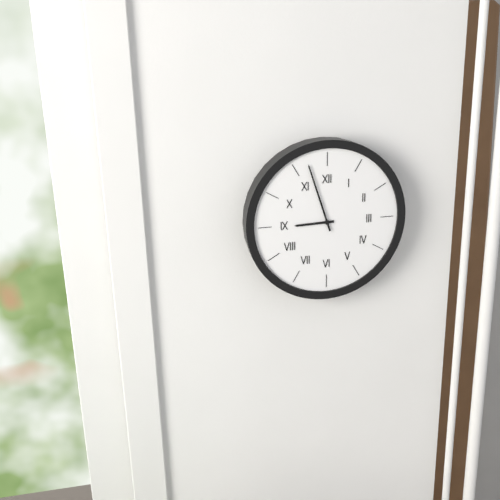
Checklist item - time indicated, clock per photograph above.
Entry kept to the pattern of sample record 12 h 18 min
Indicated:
8 h 57 min
